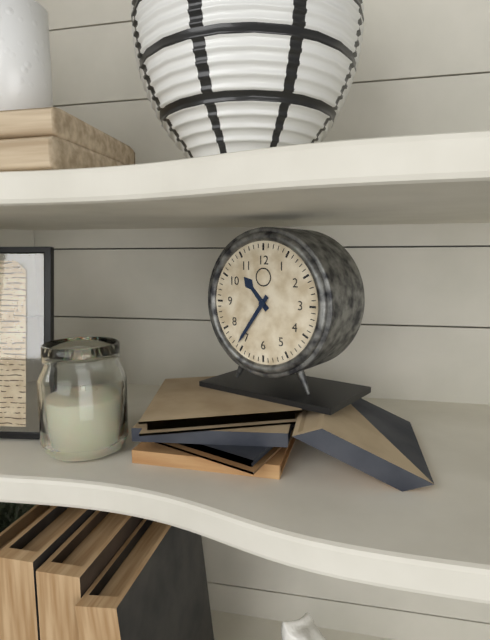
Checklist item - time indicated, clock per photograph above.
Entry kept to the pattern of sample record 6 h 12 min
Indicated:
10 h 36 min
